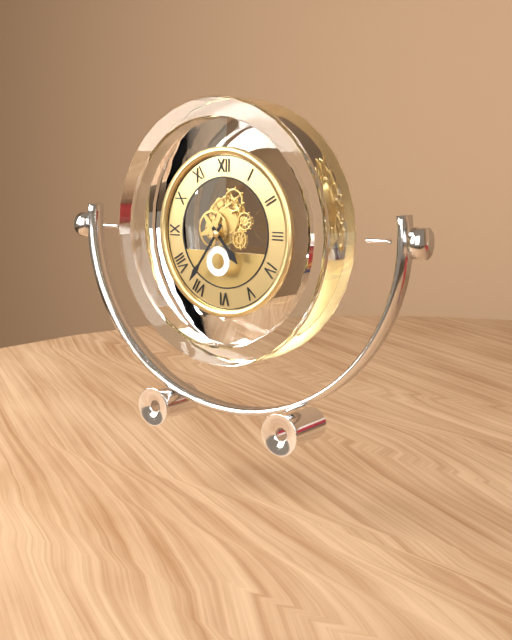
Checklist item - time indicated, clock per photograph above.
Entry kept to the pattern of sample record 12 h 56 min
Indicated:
4 h 36 min
